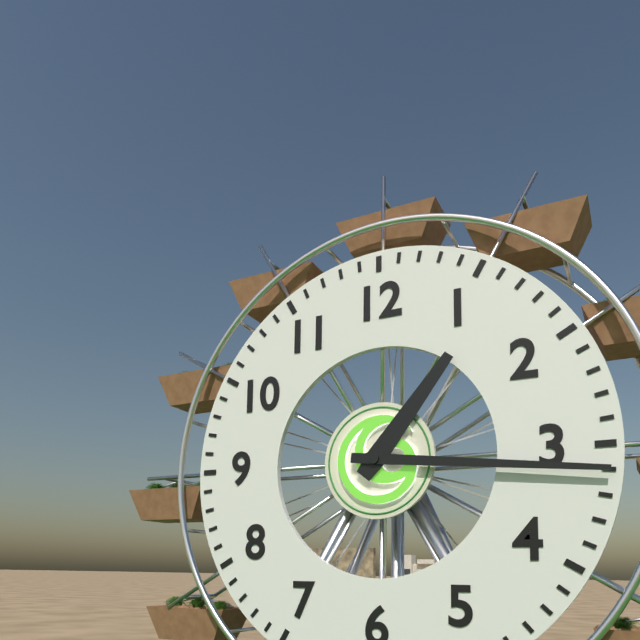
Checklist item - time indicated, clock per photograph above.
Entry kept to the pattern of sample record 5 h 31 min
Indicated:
1 h 16 min
